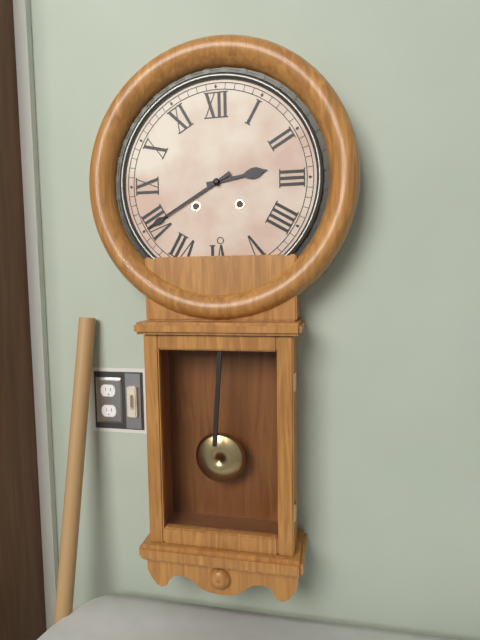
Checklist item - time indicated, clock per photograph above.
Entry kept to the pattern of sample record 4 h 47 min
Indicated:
2 h 40 min
